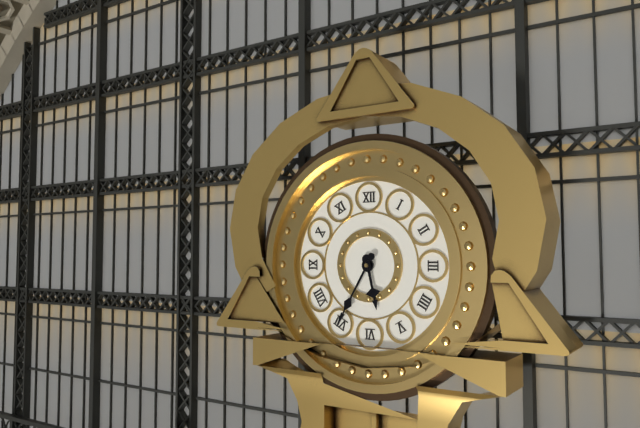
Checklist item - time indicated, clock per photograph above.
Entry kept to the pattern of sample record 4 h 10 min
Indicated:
5 h 35 min
